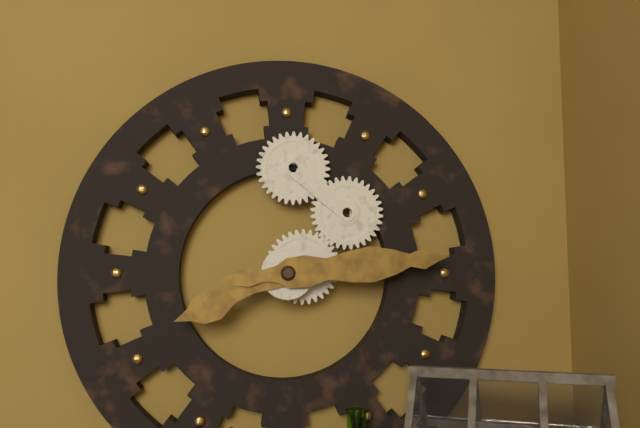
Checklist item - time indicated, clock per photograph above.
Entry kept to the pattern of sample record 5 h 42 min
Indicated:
8 h 14 min
